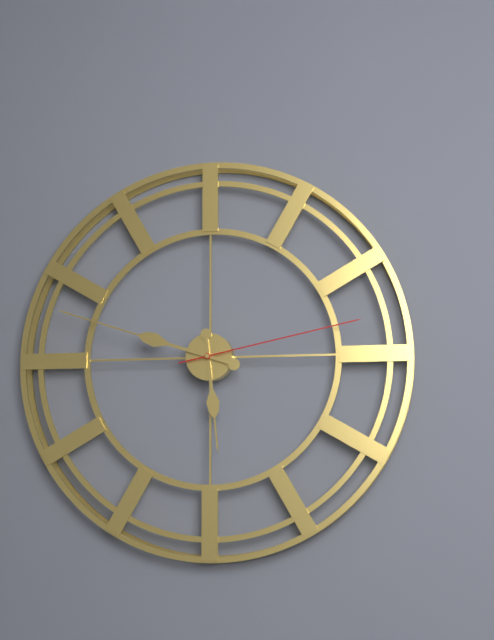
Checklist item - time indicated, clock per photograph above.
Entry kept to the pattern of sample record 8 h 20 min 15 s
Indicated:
5 h 48 min 13 s
